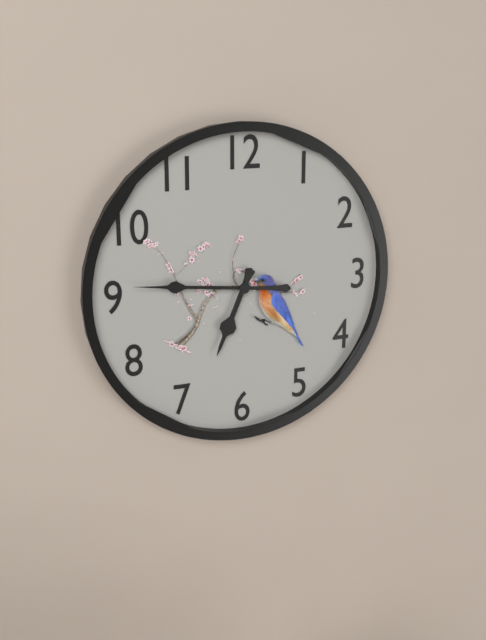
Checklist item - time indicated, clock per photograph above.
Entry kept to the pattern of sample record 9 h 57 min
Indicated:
6 h 46 min
